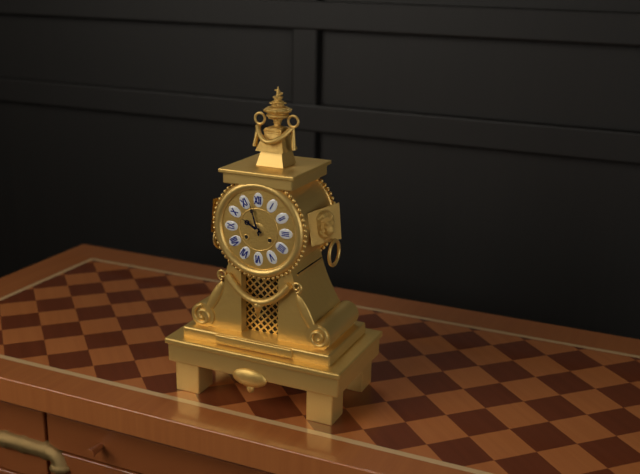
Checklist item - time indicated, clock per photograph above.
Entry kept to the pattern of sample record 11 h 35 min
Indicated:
9 h 57 min
